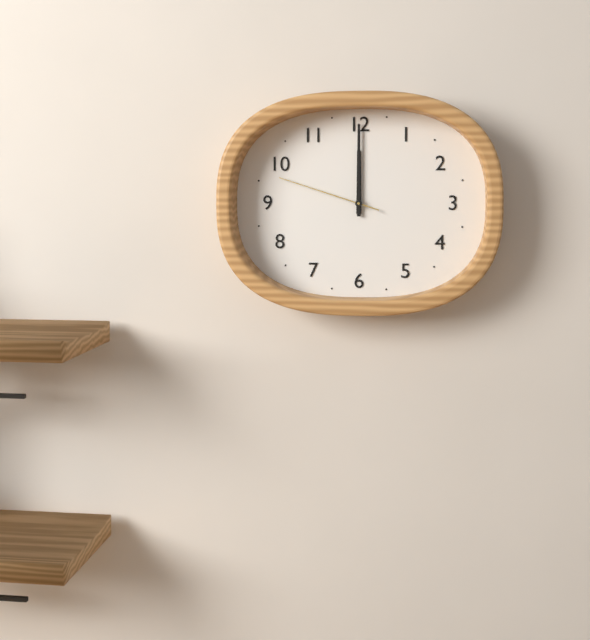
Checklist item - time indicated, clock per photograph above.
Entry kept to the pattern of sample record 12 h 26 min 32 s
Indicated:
12 h 00 min 48 s
